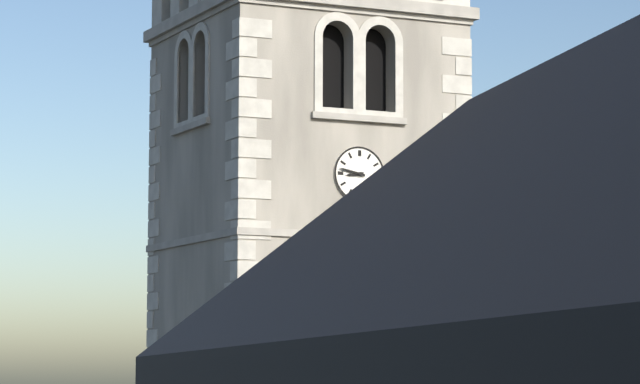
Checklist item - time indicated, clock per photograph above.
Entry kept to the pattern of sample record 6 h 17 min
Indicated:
8 h 47 min
